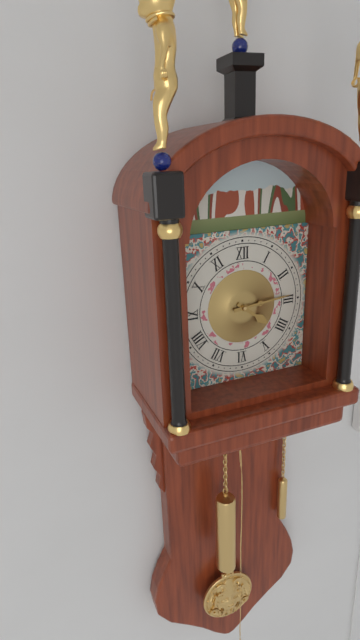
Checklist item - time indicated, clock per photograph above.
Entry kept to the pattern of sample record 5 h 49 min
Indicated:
4 h 14 min
